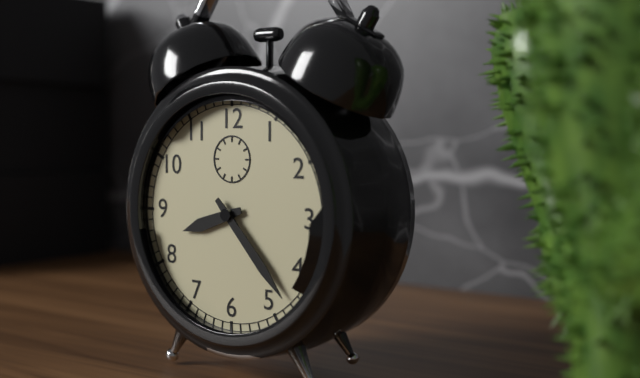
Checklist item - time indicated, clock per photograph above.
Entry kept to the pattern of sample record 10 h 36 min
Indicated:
8 h 23 min
